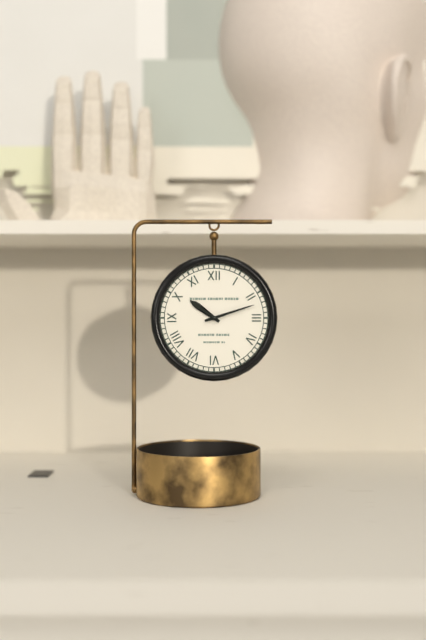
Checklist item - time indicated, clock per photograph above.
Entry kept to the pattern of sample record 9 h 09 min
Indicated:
10 h 12 min
